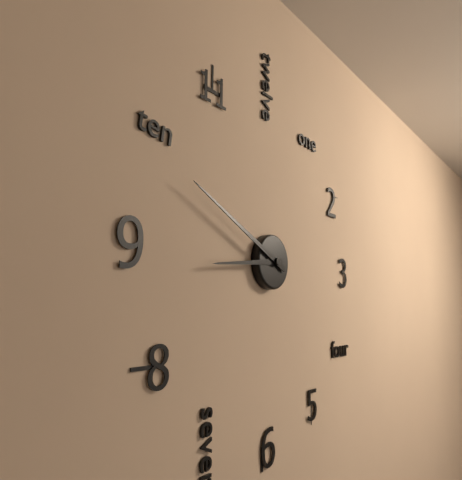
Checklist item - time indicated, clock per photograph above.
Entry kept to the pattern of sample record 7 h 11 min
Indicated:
8 h 49 min
